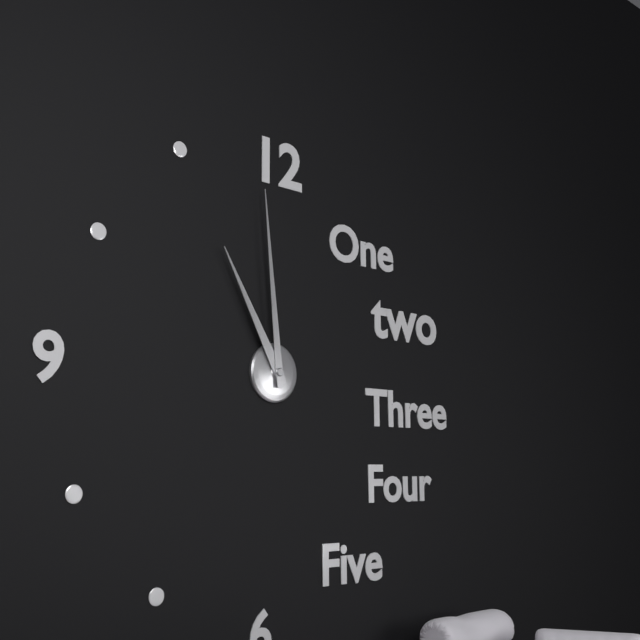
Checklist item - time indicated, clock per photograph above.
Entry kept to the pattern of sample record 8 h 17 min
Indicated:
10 h 59 min
